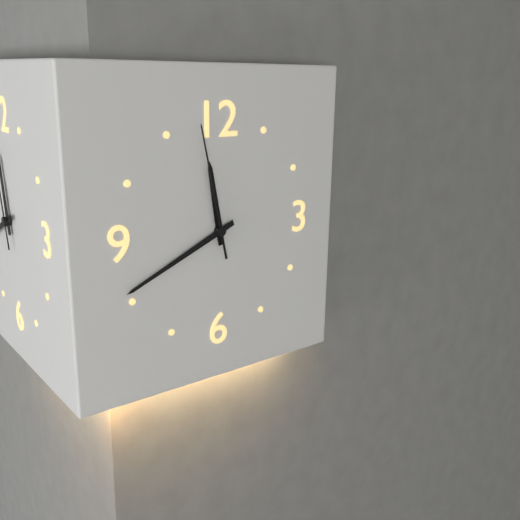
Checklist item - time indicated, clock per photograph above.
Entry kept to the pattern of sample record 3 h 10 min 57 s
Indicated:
11 h 41 min 58 s
